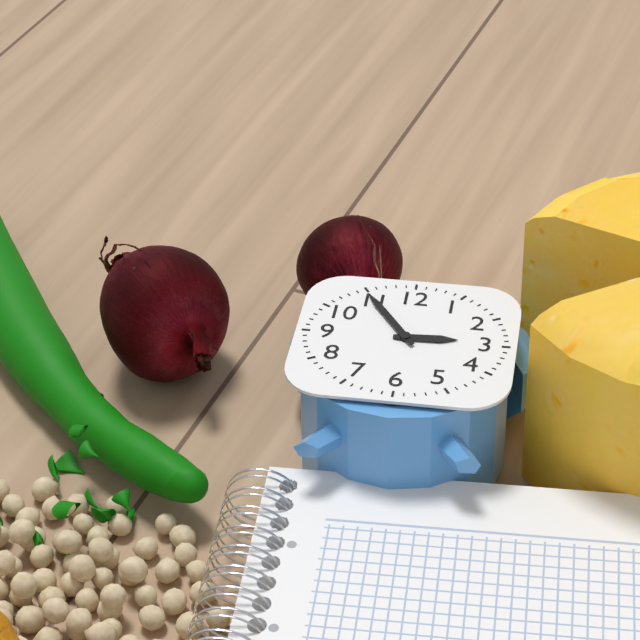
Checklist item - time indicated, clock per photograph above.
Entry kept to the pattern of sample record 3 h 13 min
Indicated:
2 h 54 min
